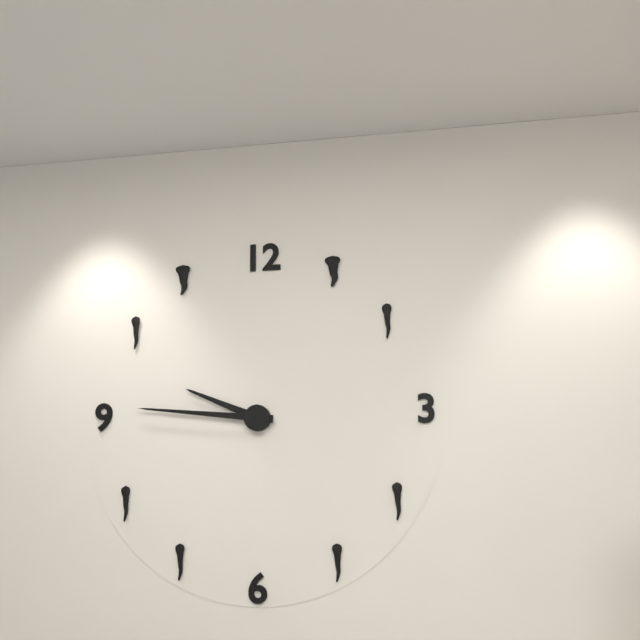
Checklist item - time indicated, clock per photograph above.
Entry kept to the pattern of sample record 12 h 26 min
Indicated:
9 h 46 min
